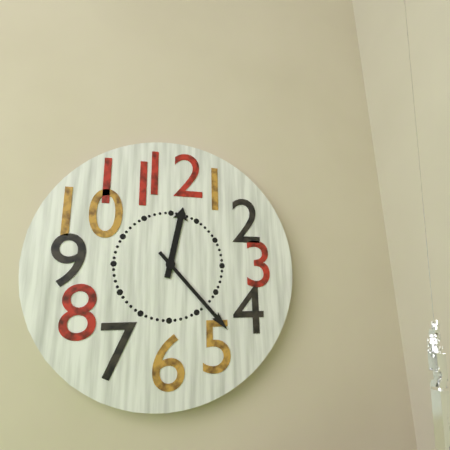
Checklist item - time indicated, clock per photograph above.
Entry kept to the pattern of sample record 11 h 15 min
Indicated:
12 h 23 min
